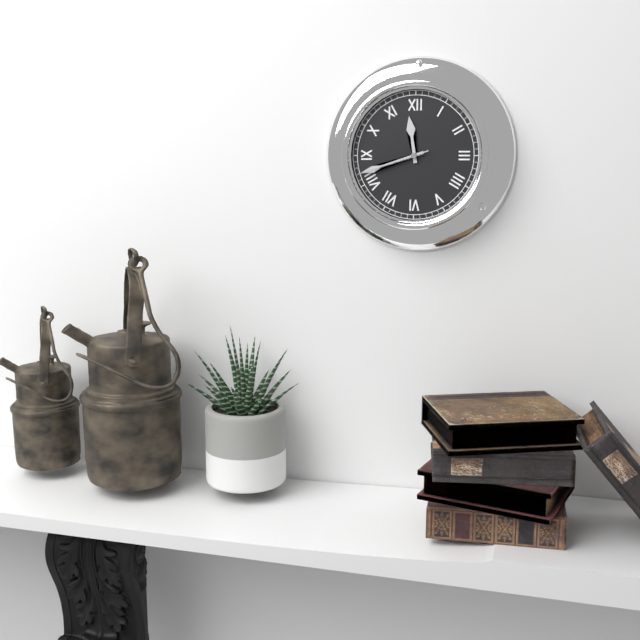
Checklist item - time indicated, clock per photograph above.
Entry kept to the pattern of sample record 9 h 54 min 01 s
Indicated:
11 h 42 min 42 s
